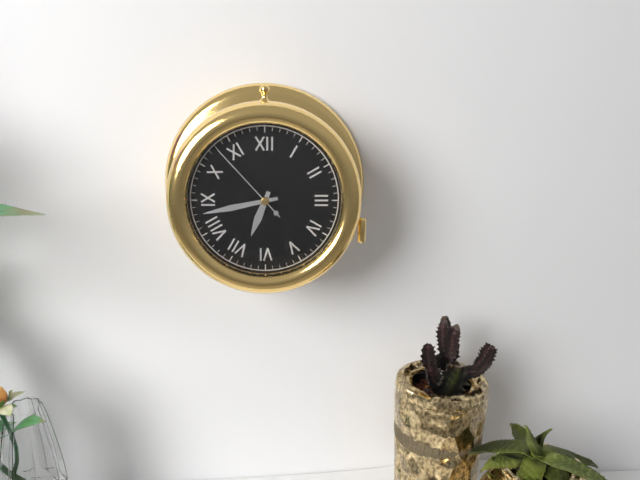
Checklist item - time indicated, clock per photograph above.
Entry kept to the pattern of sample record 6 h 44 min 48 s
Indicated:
6 h 43 min 53 s
